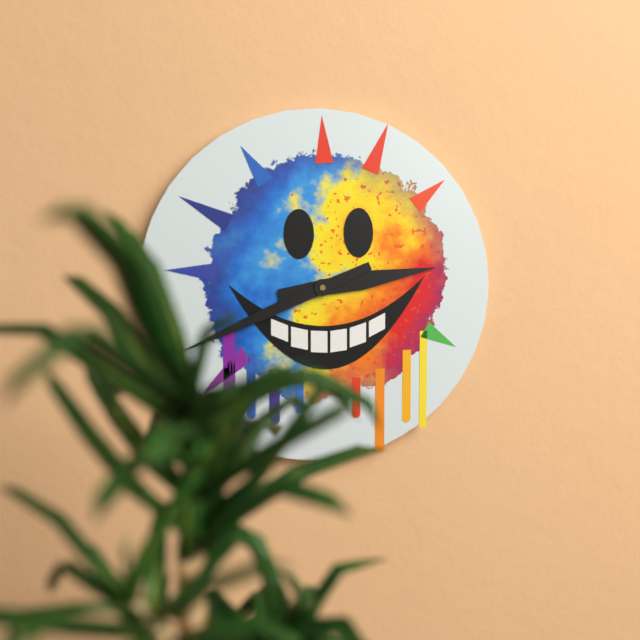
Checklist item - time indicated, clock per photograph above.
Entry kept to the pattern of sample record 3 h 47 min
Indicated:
2 h 41 min
